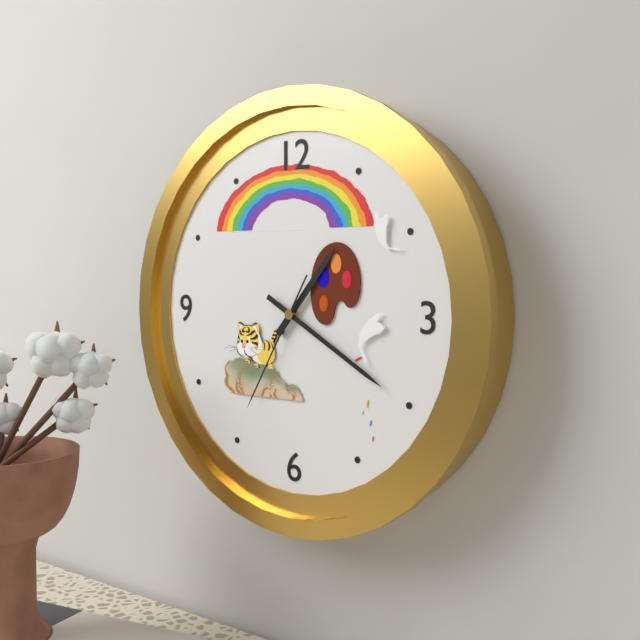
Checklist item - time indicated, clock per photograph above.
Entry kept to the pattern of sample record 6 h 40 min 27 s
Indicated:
1 h 20 min 35 s
